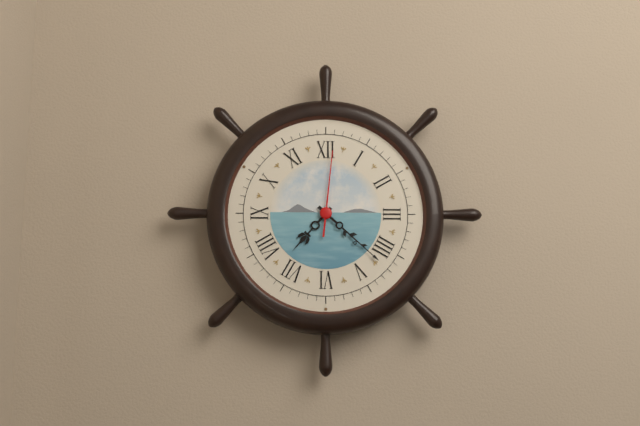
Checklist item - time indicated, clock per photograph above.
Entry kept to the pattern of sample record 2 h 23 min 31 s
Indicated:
7 h 22 min 01 s
